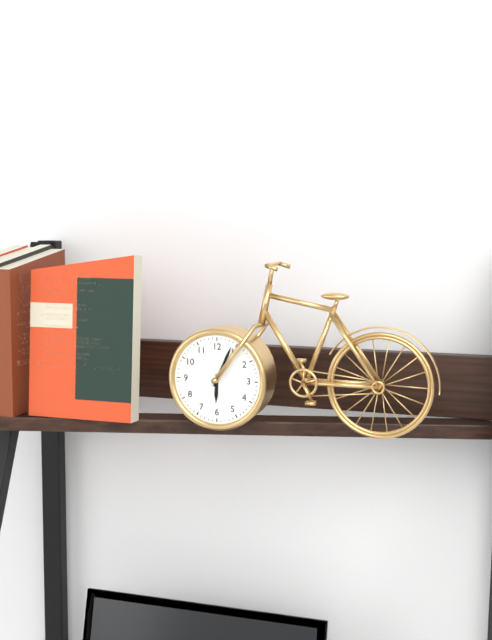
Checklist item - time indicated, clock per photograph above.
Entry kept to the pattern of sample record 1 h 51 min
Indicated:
6 h 04 min
